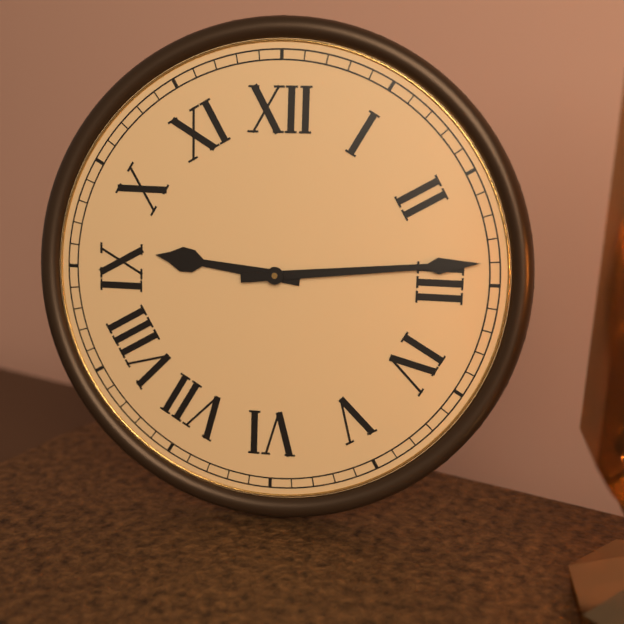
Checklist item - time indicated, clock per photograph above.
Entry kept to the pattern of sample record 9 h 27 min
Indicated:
9 h 14 min
